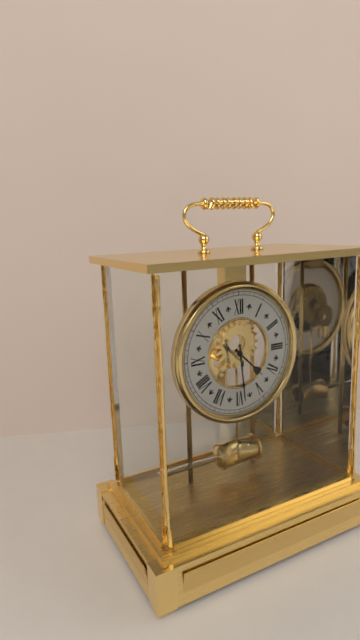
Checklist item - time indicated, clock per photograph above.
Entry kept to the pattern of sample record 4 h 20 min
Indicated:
4 h 29 min
